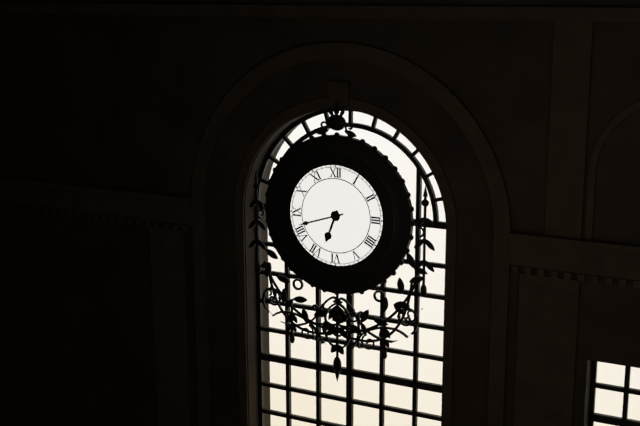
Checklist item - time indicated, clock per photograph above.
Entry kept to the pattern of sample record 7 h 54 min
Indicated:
6 h 42 min
